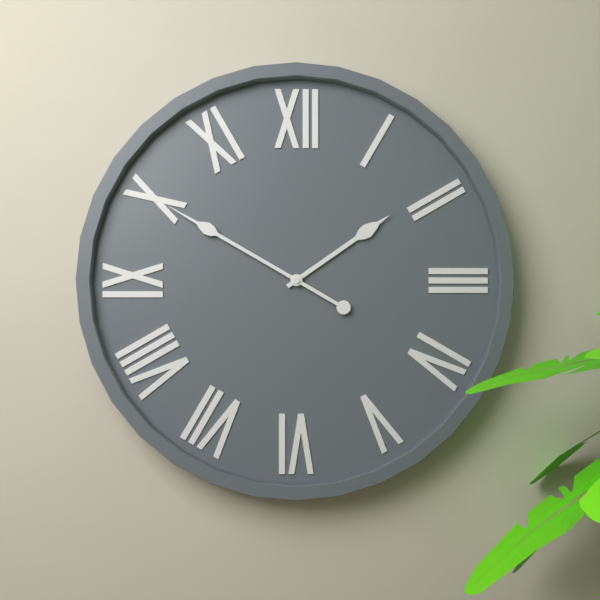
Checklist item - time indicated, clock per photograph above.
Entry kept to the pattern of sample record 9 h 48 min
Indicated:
1 h 50 min
